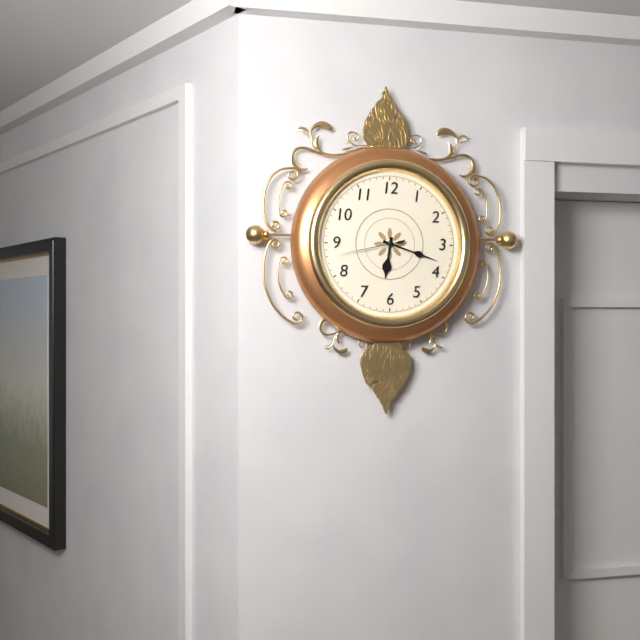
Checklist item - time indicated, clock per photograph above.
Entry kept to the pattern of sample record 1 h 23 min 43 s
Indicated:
6 h 18 min 43 s
